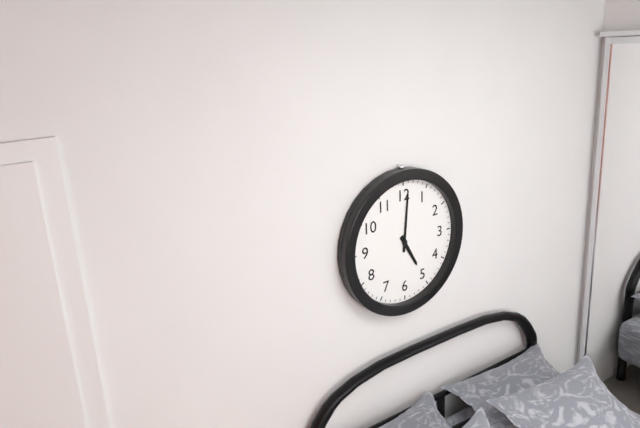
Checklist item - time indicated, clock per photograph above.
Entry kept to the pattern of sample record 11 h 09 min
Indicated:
5 h 01 min
